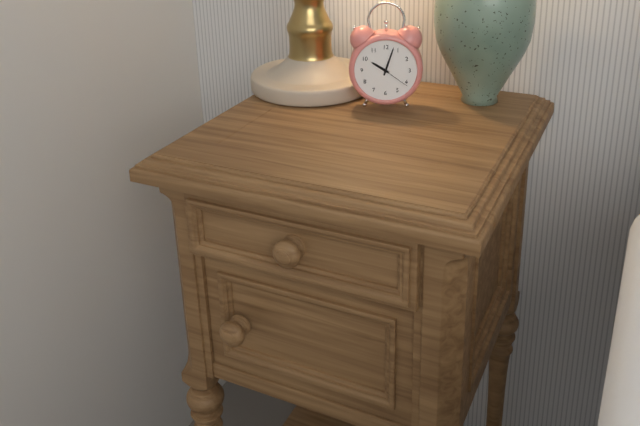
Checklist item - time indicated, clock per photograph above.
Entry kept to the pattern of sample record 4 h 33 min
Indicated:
10 h 03 min
